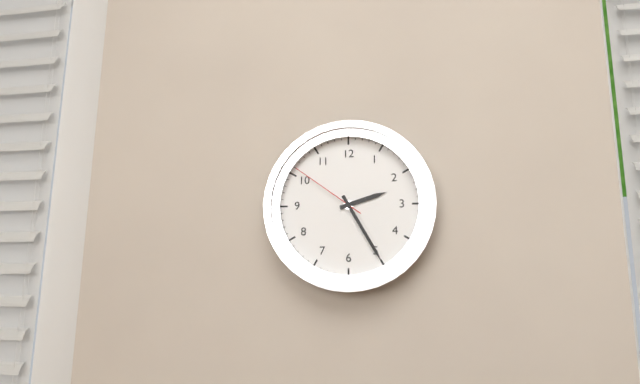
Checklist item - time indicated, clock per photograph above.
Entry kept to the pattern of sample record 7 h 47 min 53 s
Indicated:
2 h 25 min 51 s
